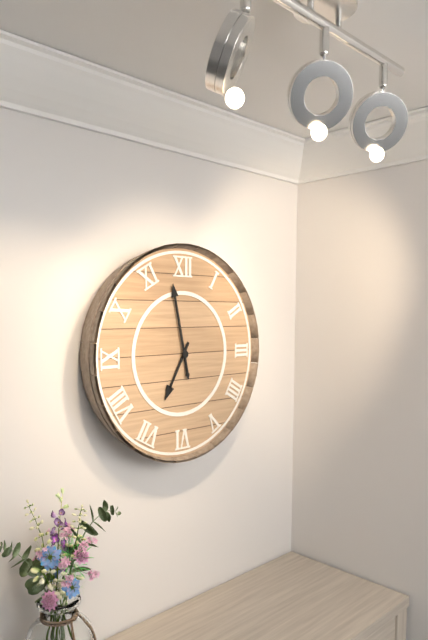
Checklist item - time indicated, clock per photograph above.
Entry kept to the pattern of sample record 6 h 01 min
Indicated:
6 h 58 min
